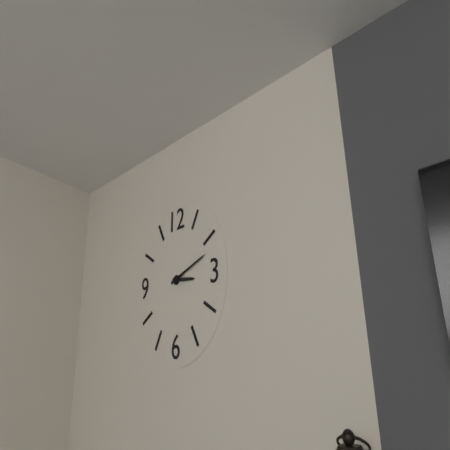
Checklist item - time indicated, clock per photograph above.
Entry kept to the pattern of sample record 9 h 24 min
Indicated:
3 h 12 min
